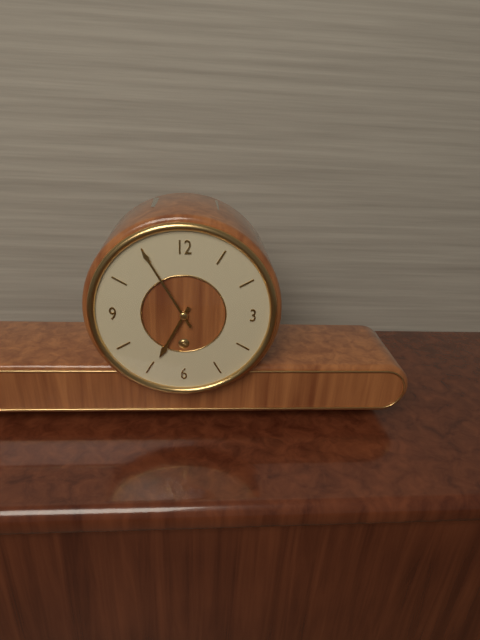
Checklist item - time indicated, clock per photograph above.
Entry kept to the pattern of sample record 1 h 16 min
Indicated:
6 h 55 min
